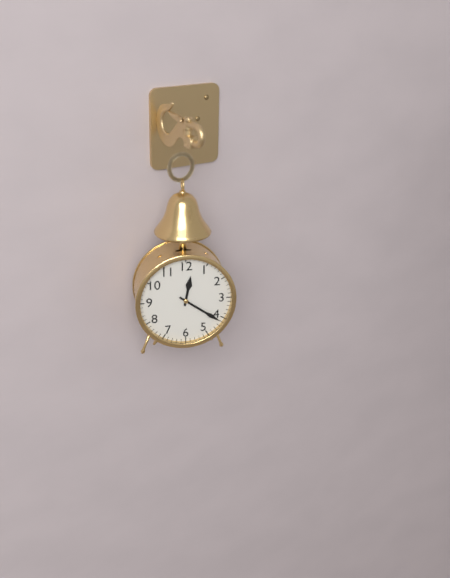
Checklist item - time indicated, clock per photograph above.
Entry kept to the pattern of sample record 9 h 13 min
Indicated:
12 h 21 min
